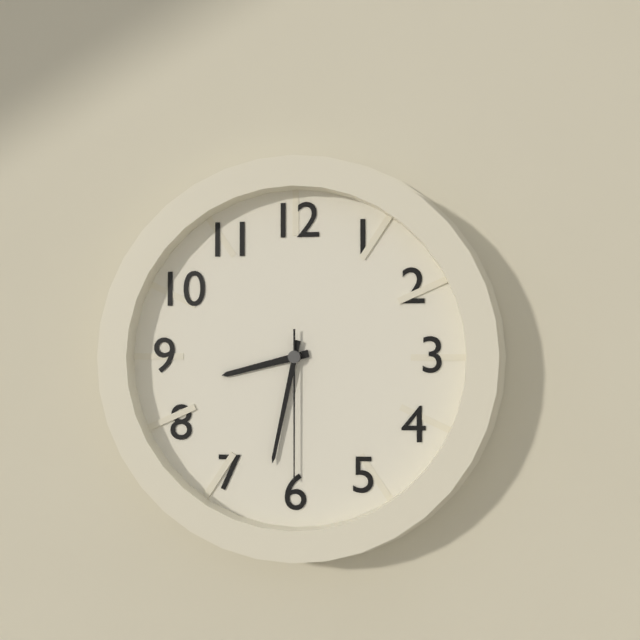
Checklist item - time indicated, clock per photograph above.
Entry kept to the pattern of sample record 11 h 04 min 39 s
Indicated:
8 h 32 min 30 s
